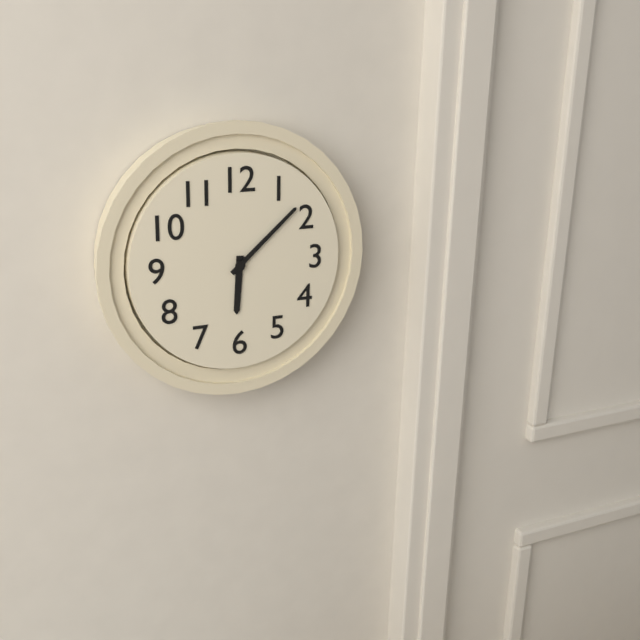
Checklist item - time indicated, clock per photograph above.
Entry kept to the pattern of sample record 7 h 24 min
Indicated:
6 h 08 min
